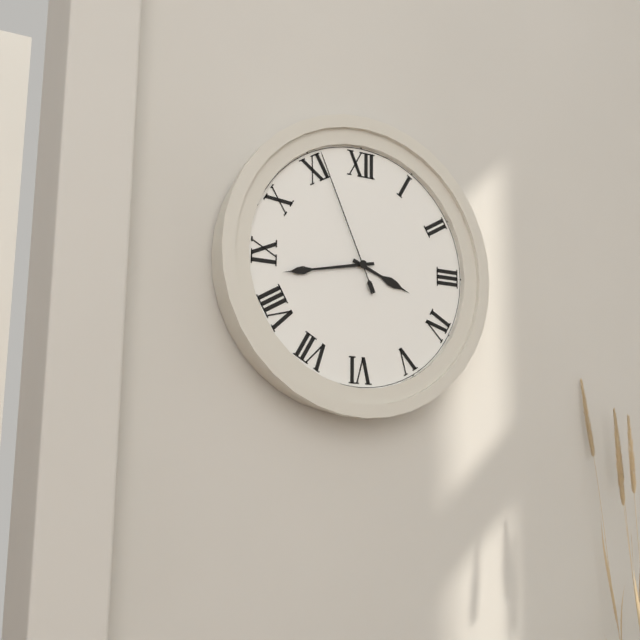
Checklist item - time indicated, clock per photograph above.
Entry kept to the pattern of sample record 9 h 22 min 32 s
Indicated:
3 h 43 min 56 s
